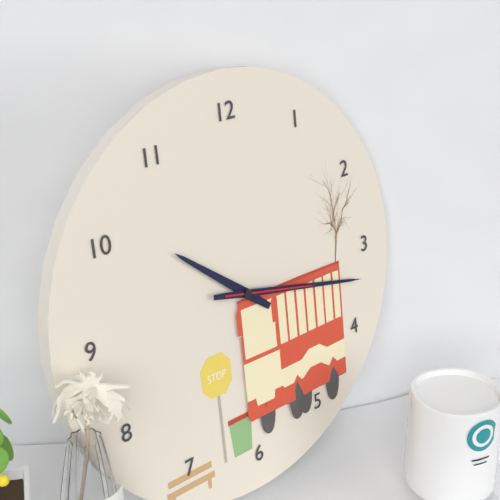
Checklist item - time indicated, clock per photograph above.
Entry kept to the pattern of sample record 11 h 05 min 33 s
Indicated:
10 h 17 min 17 s
